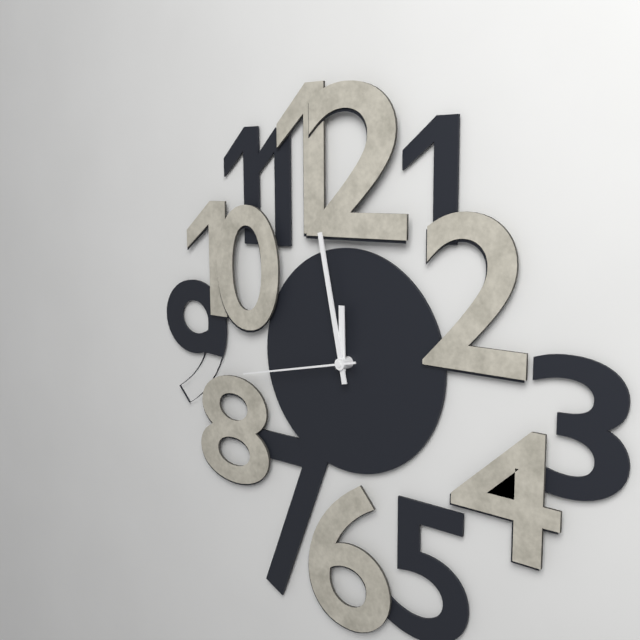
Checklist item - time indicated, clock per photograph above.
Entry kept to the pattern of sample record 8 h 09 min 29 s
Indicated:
11 h 58 min 43 s
